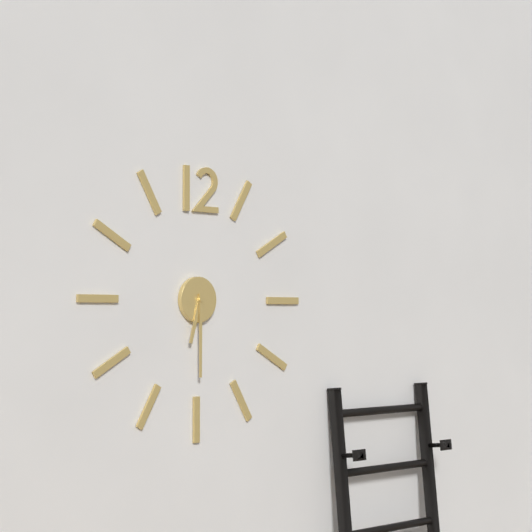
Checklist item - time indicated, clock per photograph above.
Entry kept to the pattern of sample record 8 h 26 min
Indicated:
6 h 30 min
